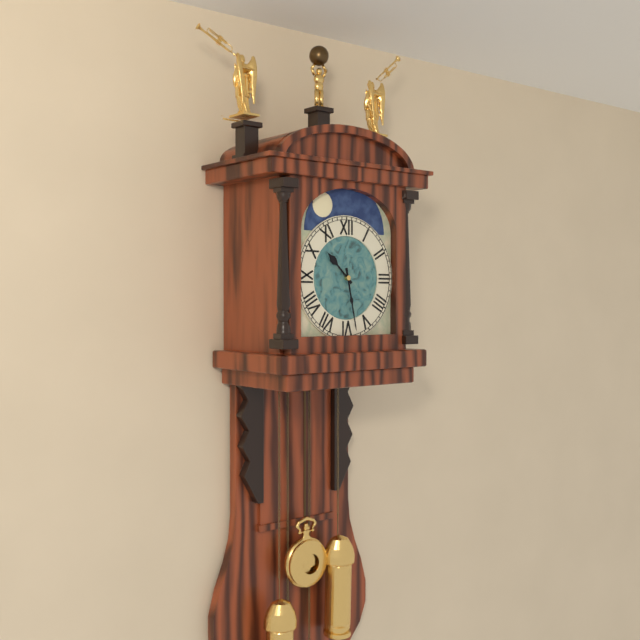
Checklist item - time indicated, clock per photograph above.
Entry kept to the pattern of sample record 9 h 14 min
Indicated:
10 h 28 min
